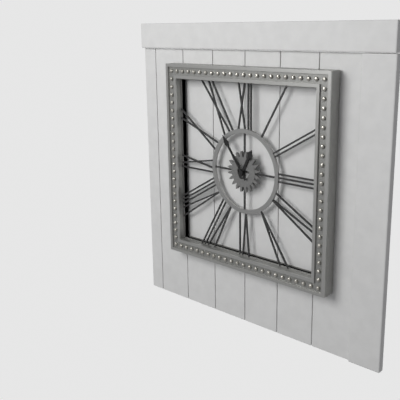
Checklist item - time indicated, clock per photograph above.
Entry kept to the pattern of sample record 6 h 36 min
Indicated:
12 h 54 min
